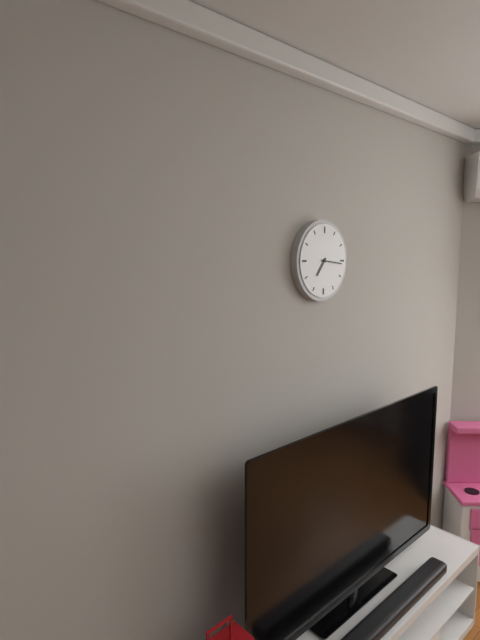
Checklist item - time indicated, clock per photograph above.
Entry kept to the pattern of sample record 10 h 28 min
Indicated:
7 h 16 min
